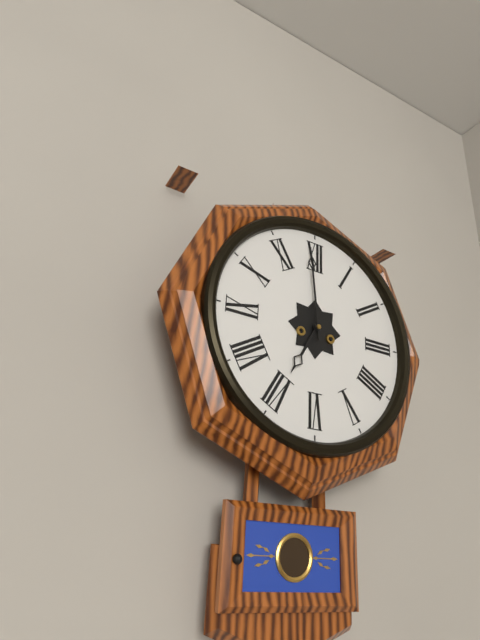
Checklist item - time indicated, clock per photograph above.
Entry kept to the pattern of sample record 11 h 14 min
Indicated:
6 h 59 min
